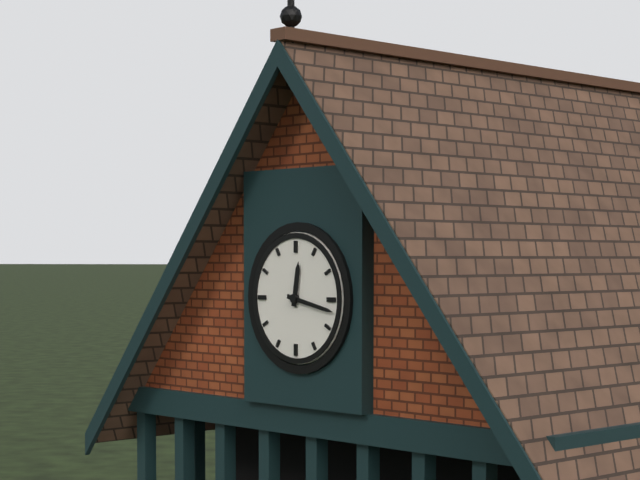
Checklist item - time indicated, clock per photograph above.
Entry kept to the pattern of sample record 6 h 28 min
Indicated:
12 h 17 min
